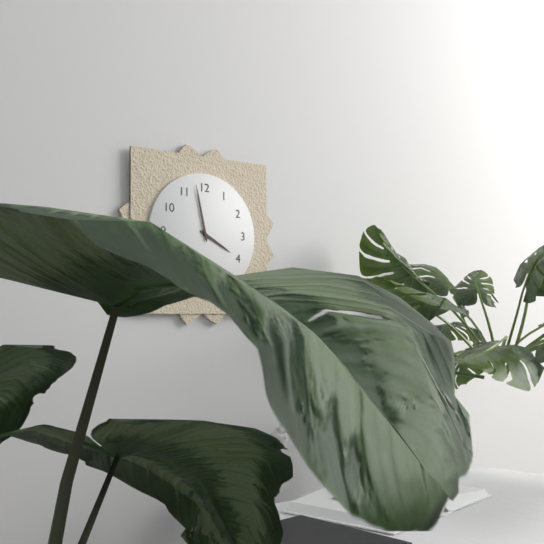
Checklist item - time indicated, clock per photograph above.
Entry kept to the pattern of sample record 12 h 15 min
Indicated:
3 h 58 min
